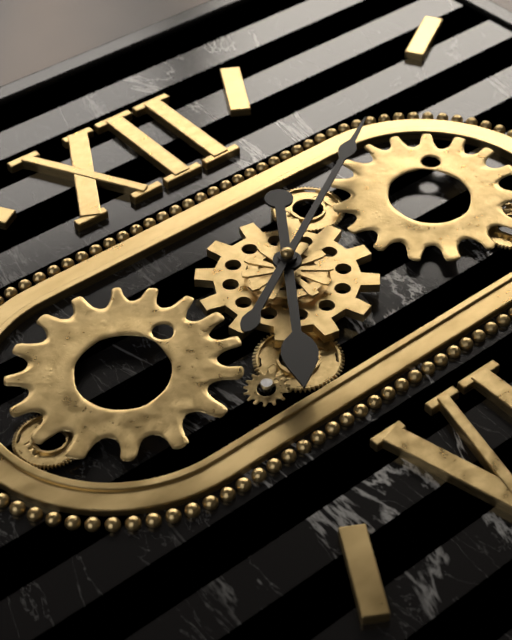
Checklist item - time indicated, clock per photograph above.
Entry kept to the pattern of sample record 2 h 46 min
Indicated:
7 h 10 min
